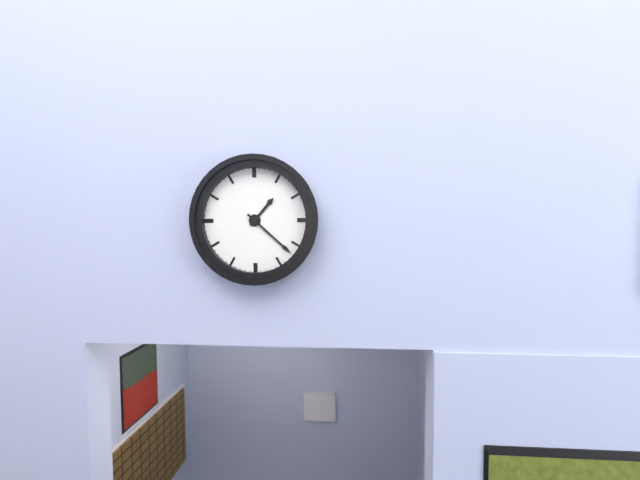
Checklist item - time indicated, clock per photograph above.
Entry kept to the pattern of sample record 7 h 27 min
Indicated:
1 h 22 min
